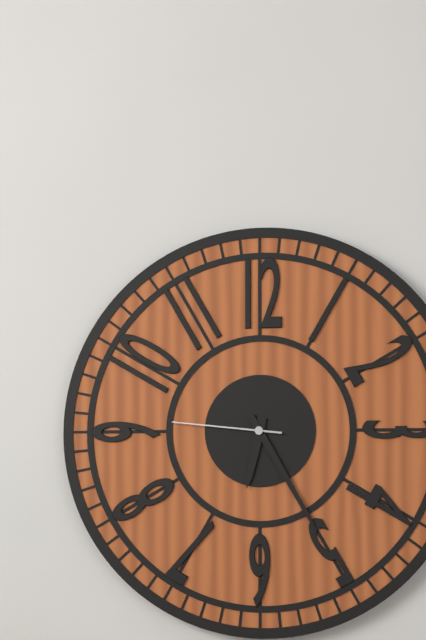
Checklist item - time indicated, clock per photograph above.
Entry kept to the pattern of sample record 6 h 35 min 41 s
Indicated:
6 h 25 min 46 s
